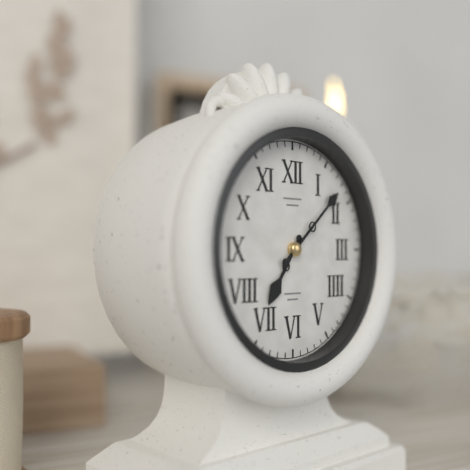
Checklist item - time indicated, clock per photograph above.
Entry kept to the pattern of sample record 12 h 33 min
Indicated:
7 h 08 min
